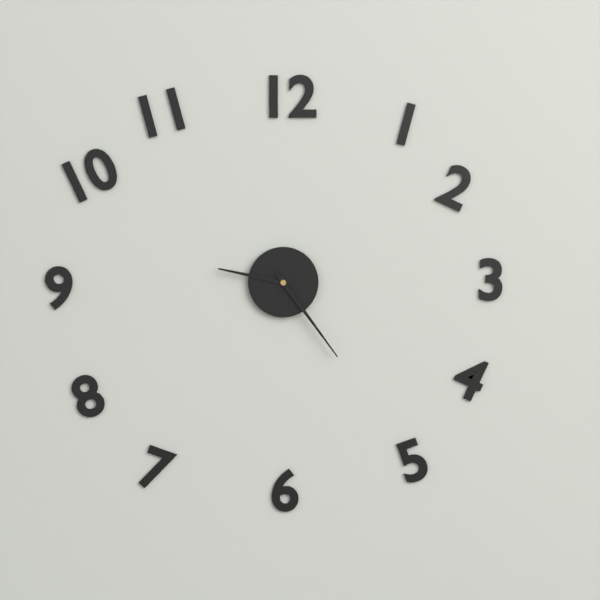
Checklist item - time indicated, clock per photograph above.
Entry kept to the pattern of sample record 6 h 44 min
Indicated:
9 h 24 min
